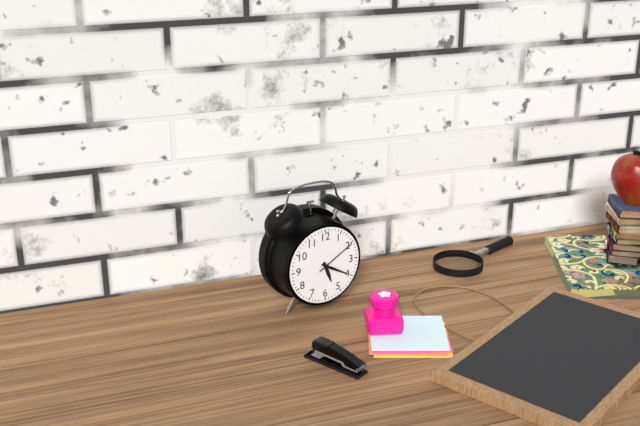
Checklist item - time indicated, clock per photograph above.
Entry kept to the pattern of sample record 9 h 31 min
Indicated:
5 h 20 min
